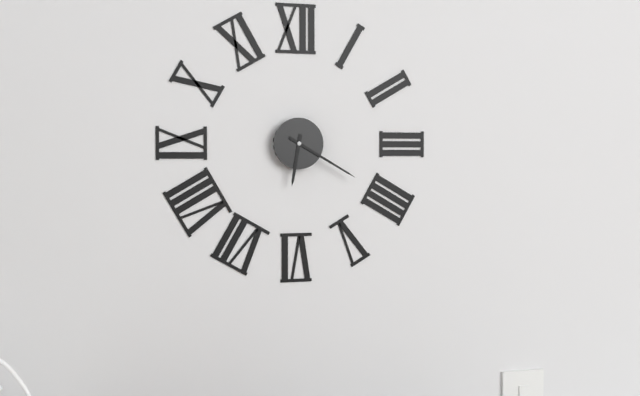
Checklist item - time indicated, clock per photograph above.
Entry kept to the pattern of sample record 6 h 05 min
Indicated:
6 h 20 min
